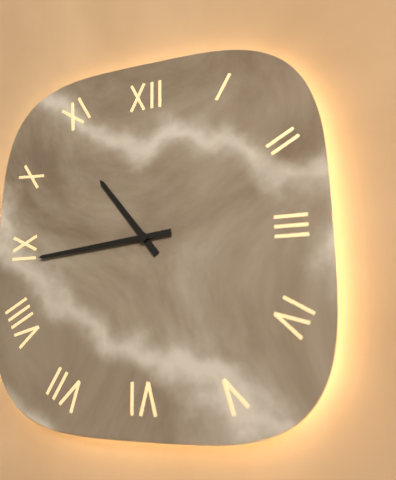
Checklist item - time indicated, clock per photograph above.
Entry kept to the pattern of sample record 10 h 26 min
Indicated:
10 h 44 min
